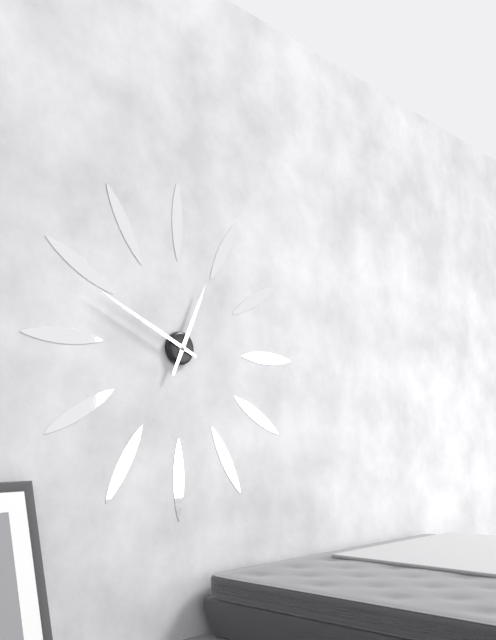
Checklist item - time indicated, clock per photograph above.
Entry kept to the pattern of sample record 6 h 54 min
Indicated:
12 h 49 min
